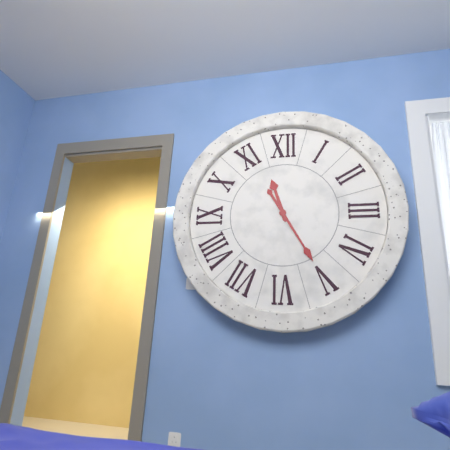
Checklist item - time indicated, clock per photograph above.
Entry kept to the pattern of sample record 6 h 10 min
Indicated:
11 h 25 min
